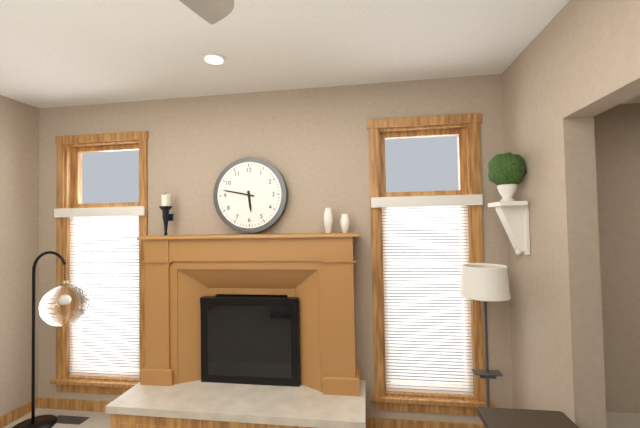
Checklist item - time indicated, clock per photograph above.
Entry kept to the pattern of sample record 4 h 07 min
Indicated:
5 h 47 min
